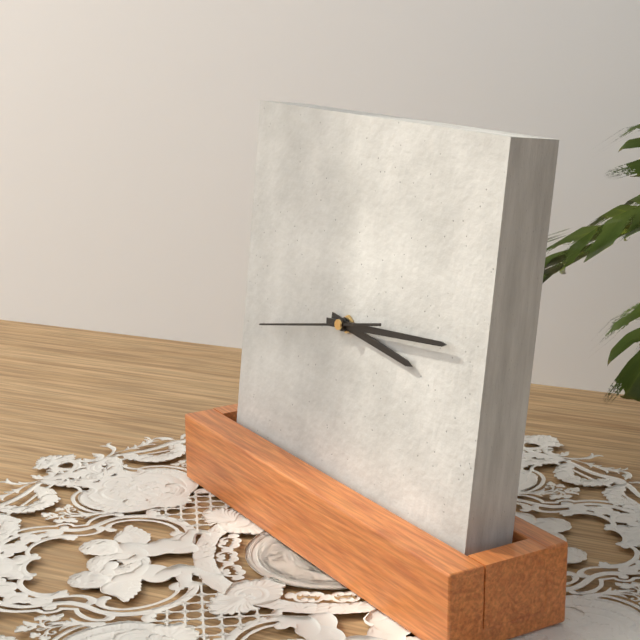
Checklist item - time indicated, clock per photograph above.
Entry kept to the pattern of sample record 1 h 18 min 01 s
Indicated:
3 h 14 min 43 s
